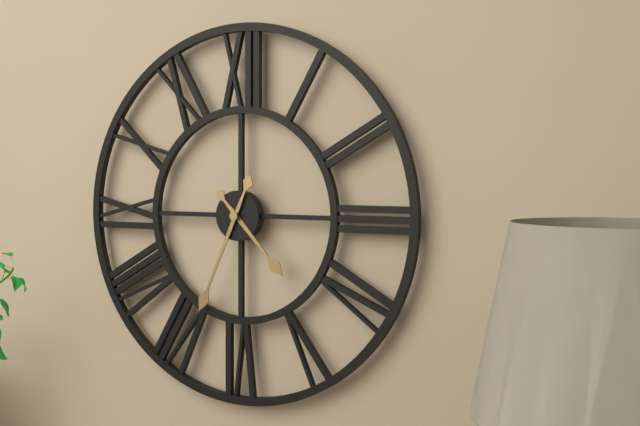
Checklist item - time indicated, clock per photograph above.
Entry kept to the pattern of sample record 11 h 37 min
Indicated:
4 h 34 min
